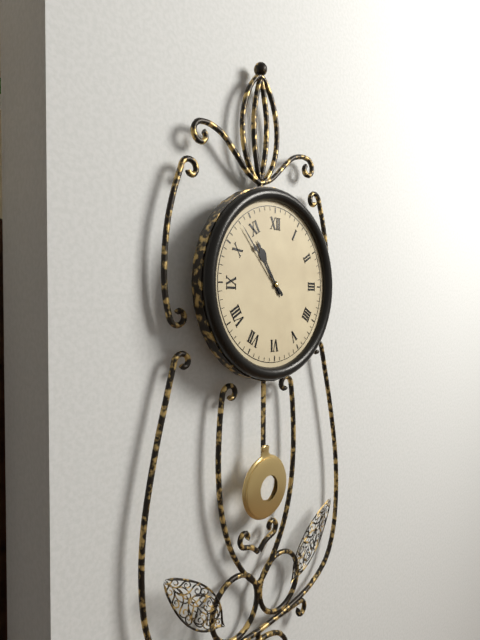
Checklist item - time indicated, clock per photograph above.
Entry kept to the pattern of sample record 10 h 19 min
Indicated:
10 h 53 min
